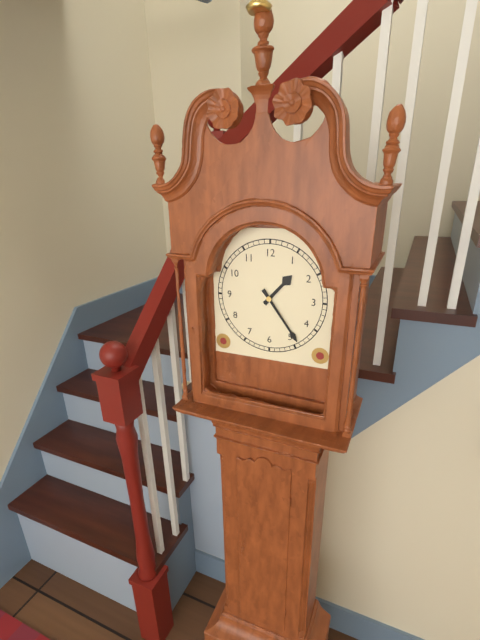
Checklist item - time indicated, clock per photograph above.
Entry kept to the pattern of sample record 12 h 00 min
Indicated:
1 h 24 min
